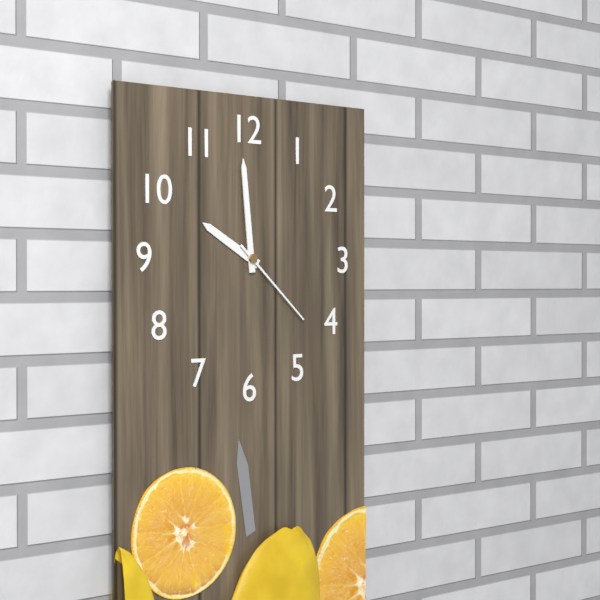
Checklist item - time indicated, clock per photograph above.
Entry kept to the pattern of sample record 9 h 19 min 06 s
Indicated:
9 h 59 min 22 s
